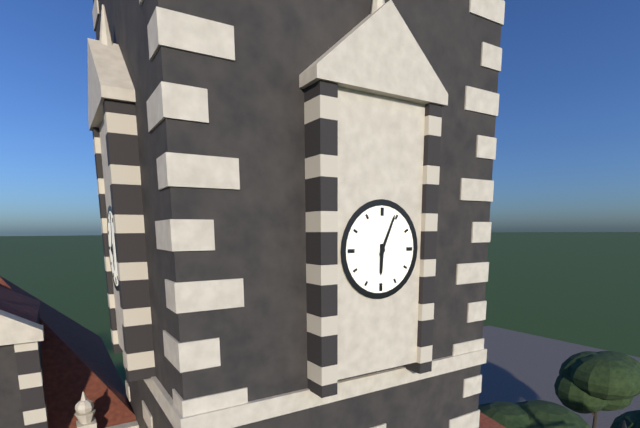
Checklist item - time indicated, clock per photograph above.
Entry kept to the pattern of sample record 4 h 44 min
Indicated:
6 h 04 min
